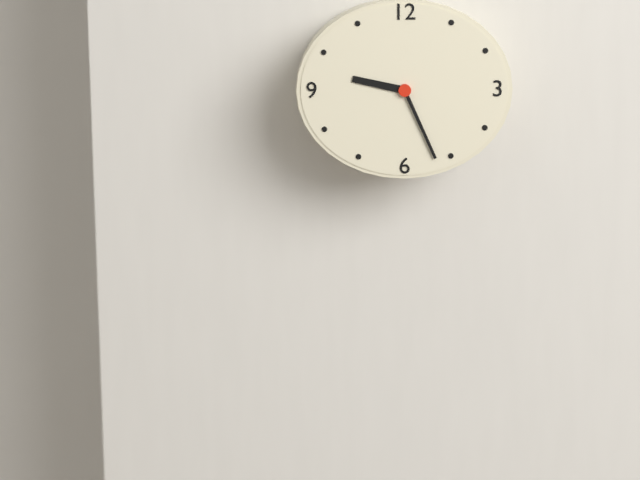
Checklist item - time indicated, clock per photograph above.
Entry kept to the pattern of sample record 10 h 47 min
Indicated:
9 h 26 min
